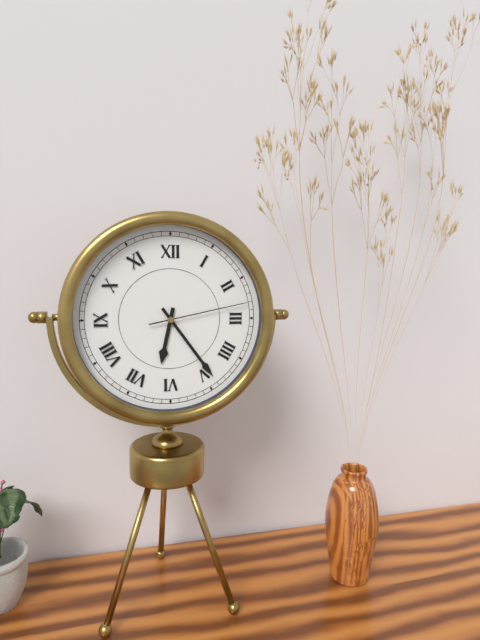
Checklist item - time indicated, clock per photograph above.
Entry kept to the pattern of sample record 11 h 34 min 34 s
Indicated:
6 h 24 min 13 s
